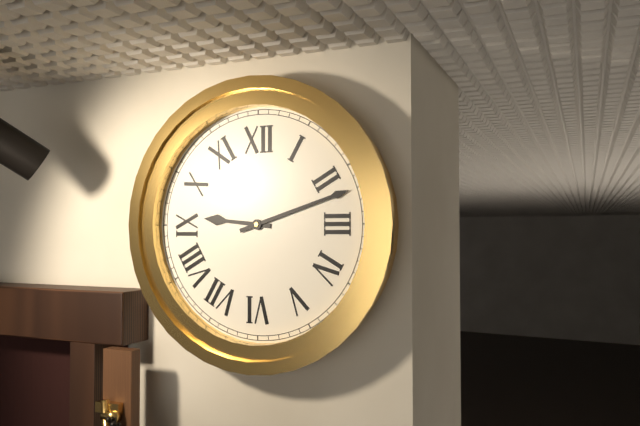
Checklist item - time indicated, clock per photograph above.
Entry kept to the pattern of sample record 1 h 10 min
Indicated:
9 h 12 min
